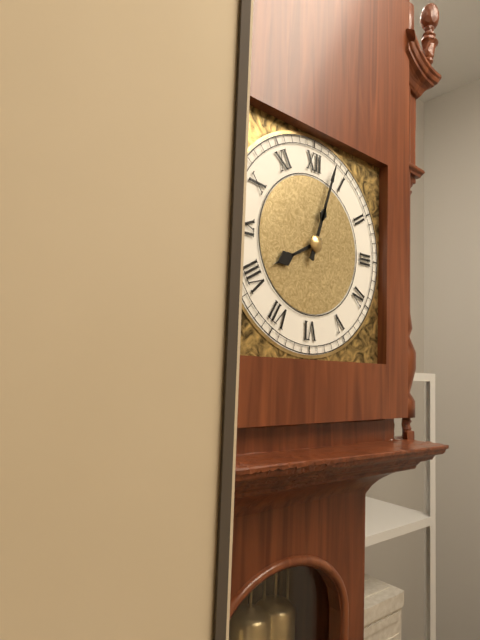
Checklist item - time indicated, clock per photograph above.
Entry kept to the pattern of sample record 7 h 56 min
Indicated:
8 h 03 min
